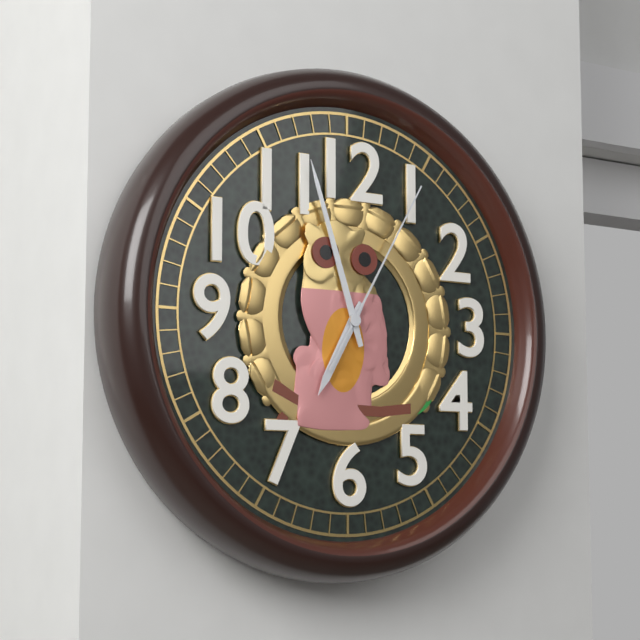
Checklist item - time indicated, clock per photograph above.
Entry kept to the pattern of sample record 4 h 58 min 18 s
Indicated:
6 h 57 min 05 s
